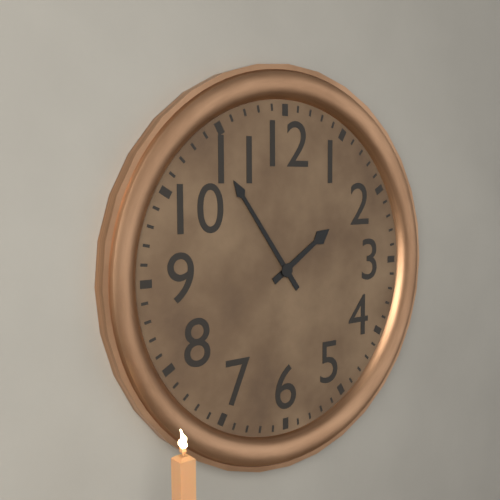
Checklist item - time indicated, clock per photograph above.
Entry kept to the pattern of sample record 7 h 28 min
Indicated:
1 h 54 min
